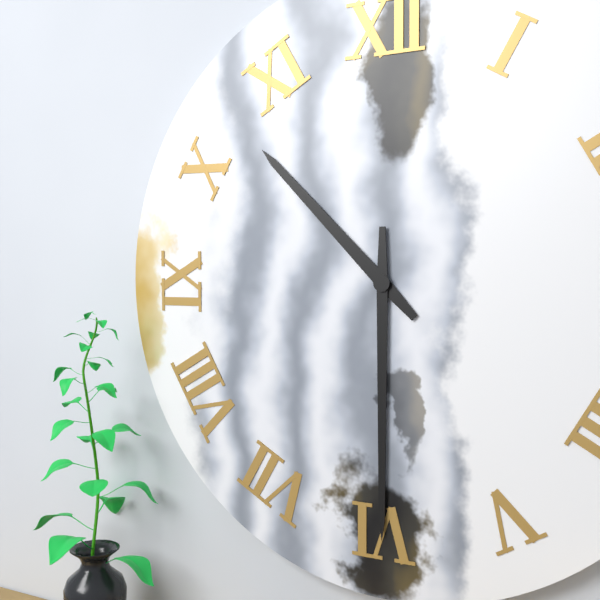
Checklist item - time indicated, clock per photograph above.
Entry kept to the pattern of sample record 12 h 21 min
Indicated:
10 h 30 min
